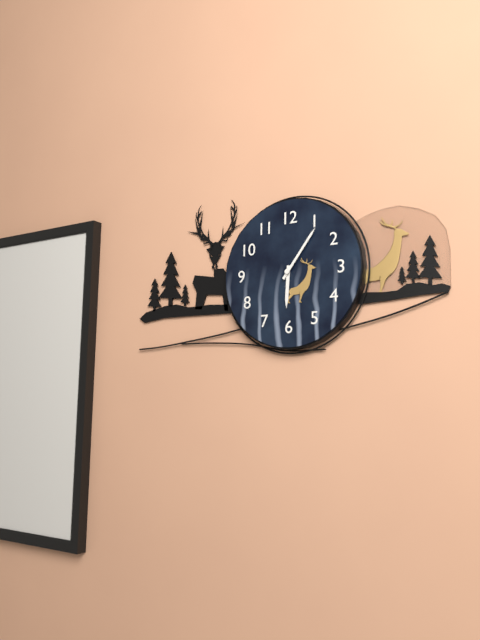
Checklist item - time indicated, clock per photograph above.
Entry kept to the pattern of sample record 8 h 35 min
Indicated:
6 h 06 min
